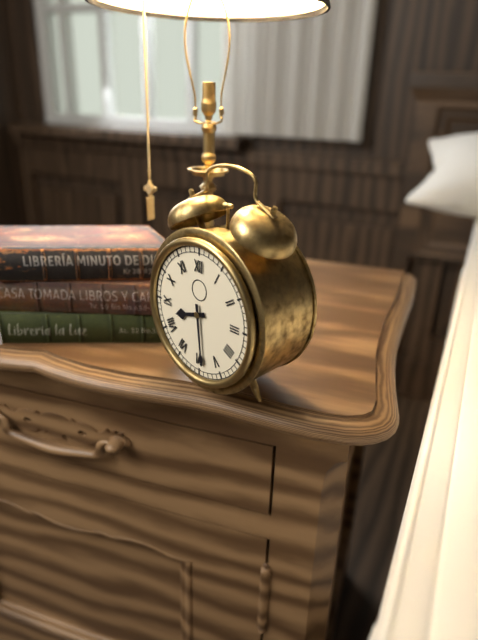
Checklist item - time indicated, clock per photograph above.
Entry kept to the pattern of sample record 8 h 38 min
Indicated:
8 h 29 min
